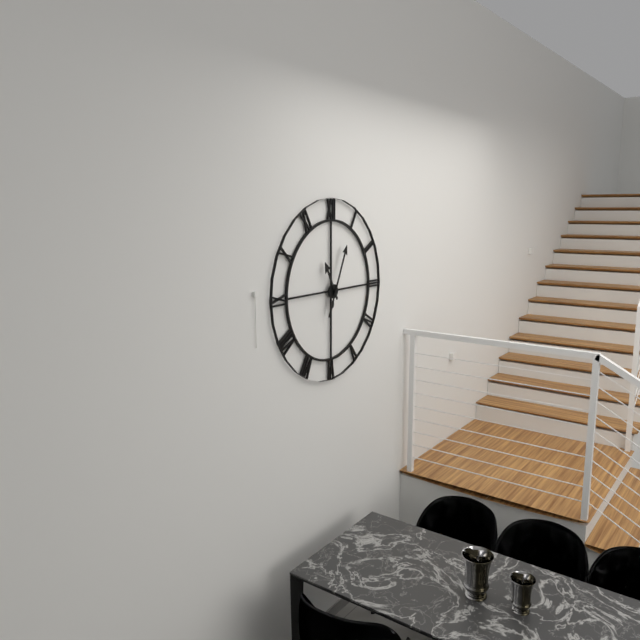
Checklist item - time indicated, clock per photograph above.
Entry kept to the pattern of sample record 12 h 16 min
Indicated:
11 h 04 min
